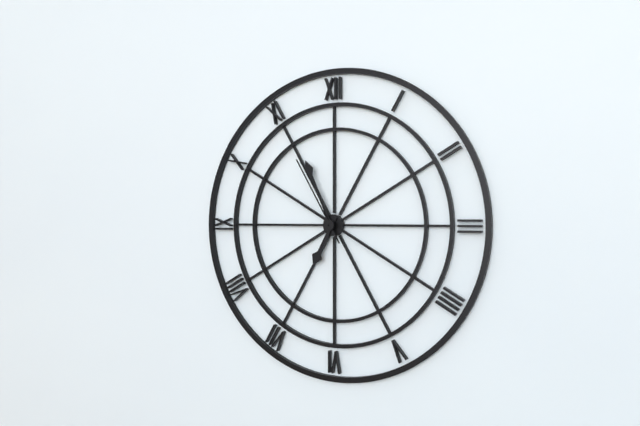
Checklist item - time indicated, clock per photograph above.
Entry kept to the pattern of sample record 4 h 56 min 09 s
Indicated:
6 h 56 min 55 s
